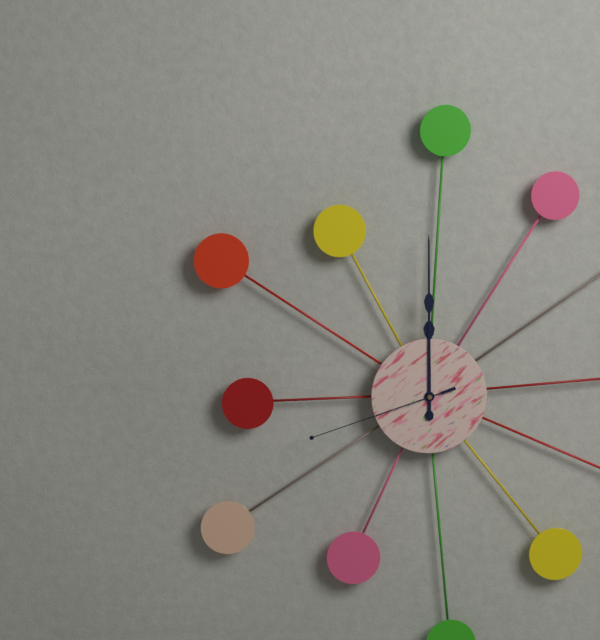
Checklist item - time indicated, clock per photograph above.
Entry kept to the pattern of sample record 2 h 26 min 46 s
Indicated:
12 h 00 min 42 s
